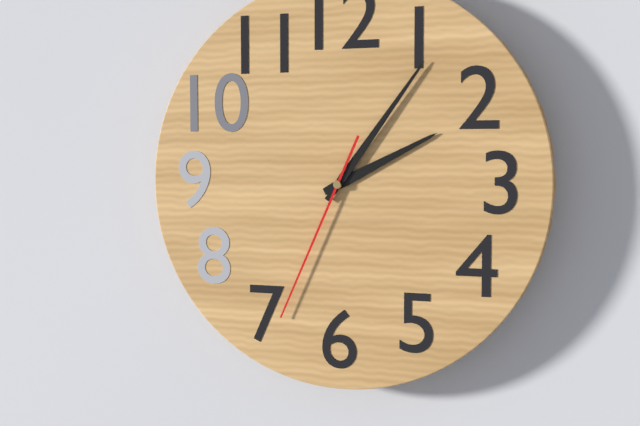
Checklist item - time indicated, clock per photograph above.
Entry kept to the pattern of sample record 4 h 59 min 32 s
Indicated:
2 h 06 min 34 s
